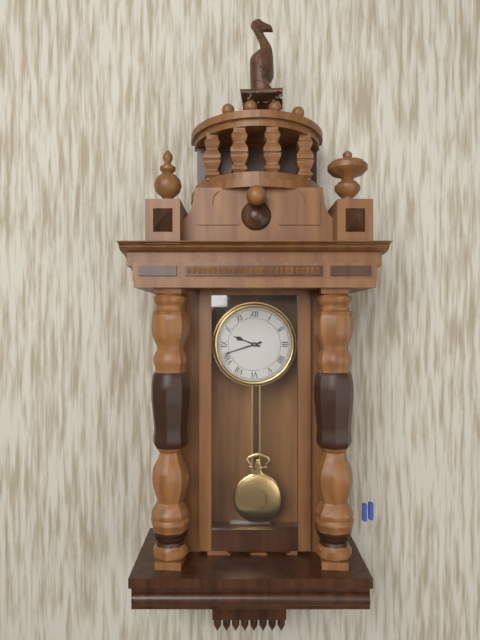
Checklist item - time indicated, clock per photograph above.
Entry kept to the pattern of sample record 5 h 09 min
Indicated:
9 h 42 min
